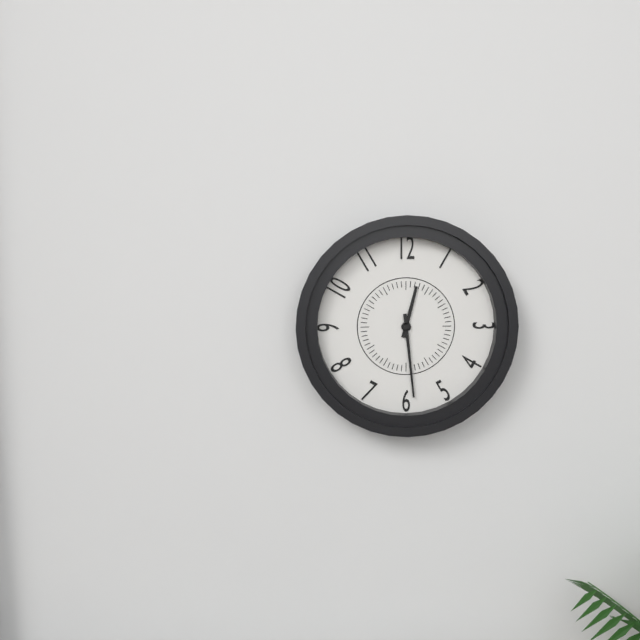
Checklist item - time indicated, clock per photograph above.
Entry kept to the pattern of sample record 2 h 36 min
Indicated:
12 h 29 min
